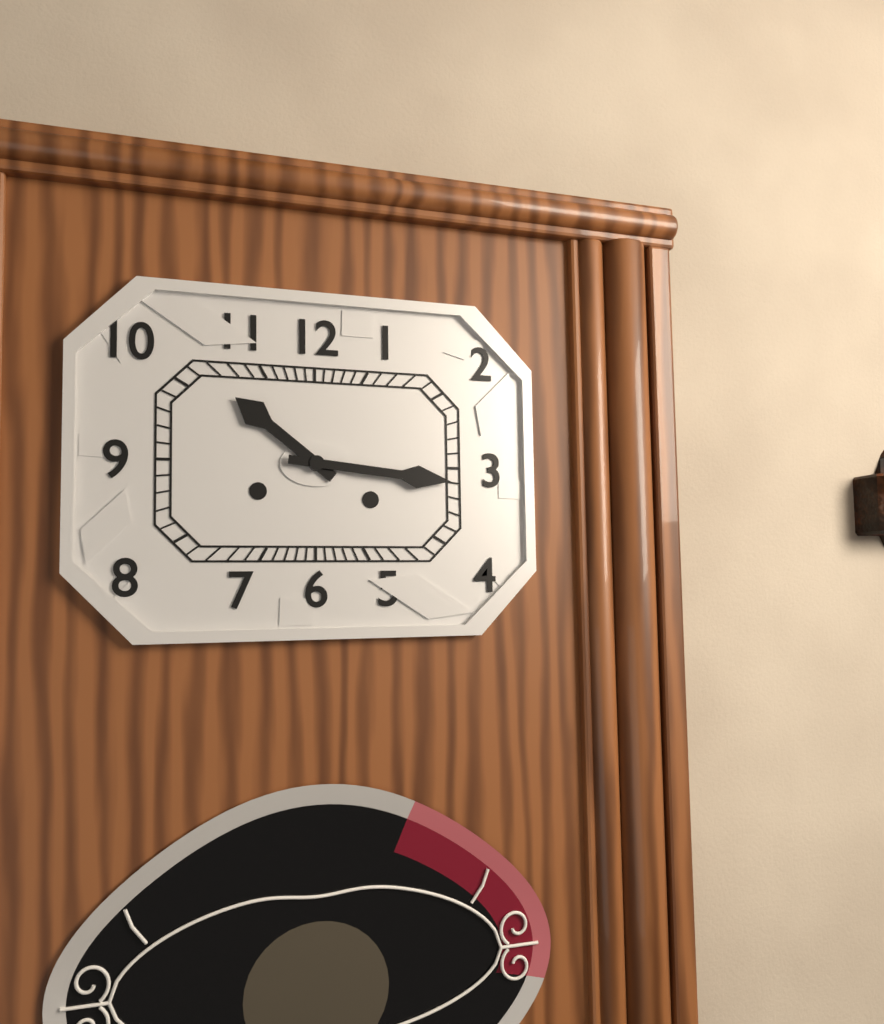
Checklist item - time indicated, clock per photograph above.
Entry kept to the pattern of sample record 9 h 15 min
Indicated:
10 h 16 min
